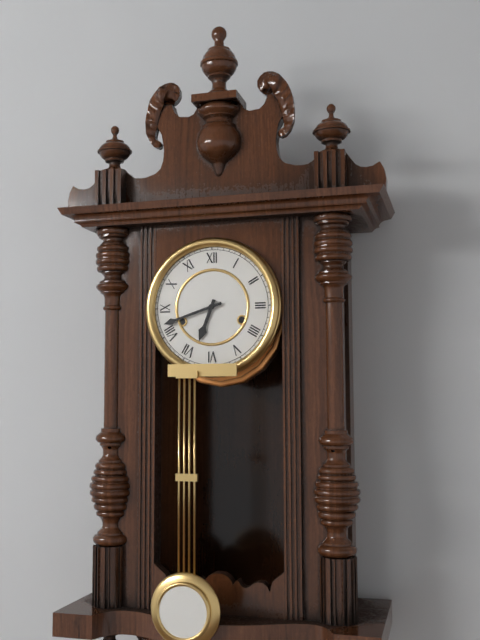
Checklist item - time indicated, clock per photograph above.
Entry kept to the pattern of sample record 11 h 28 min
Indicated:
6 h 42 min
